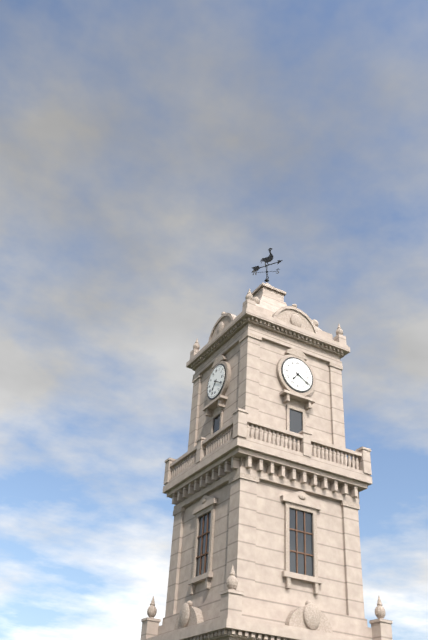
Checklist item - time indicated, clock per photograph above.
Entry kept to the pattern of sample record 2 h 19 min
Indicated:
7 h 20 min
